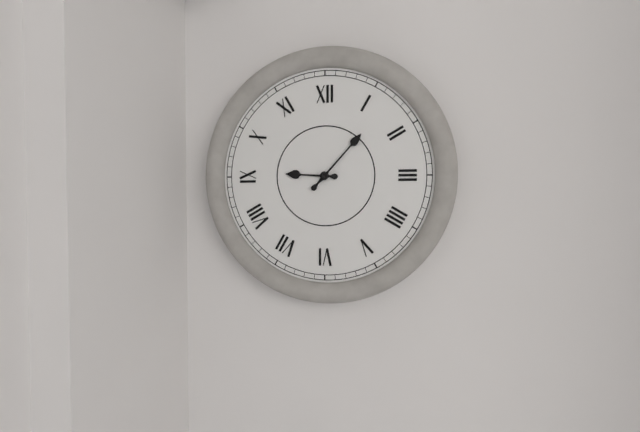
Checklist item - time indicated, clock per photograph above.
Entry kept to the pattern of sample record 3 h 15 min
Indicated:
9 h 07 min
